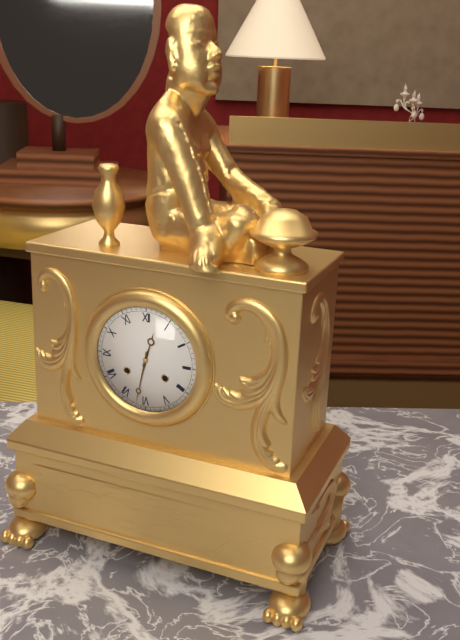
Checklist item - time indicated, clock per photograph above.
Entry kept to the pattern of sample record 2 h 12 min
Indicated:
12 h 32 min
